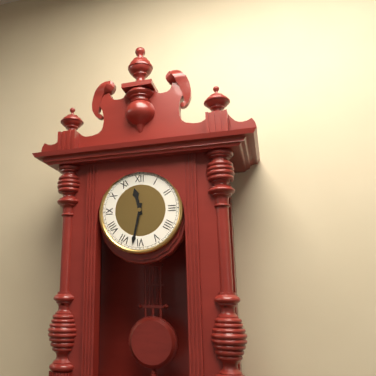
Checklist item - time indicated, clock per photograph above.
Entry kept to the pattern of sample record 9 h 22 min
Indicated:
11 h 32 min
